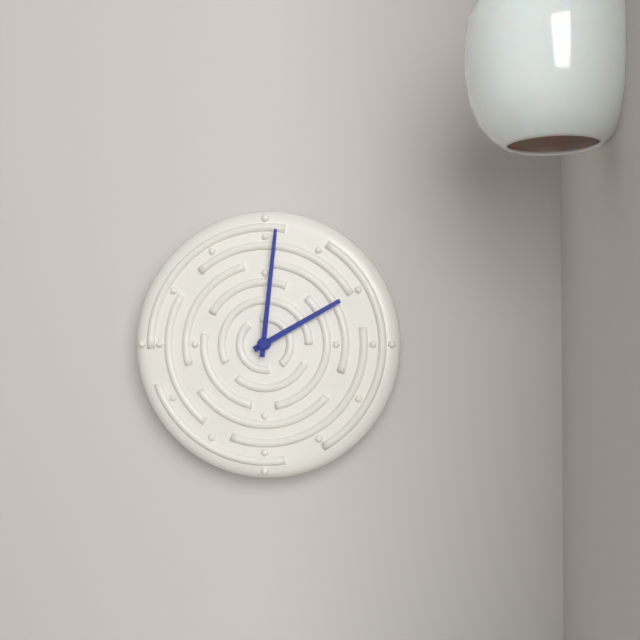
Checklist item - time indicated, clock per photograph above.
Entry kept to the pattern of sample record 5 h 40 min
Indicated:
2 h 01 min
